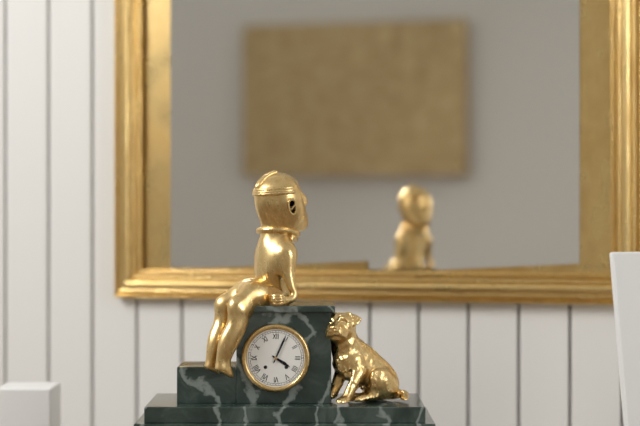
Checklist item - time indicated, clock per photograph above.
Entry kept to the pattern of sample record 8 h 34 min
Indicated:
4 h 04 min
